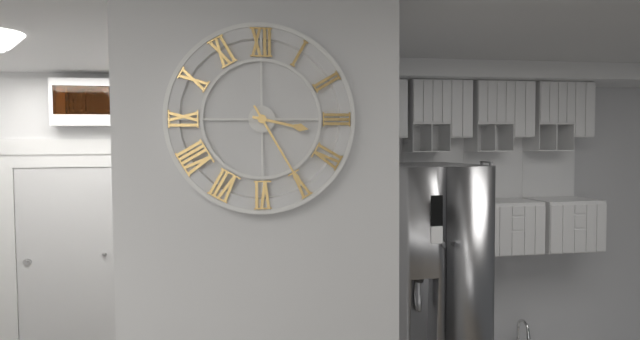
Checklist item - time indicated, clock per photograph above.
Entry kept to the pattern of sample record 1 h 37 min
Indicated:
3 h 25 min
